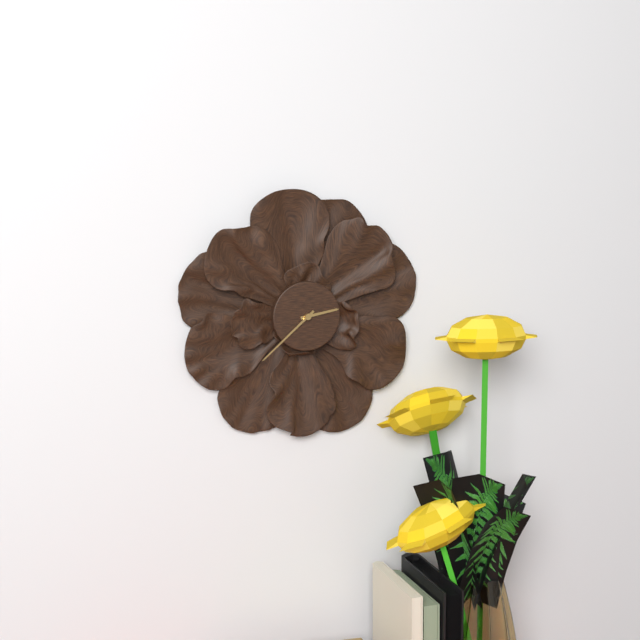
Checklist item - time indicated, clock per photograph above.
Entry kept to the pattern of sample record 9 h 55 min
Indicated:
2 h 38 min
